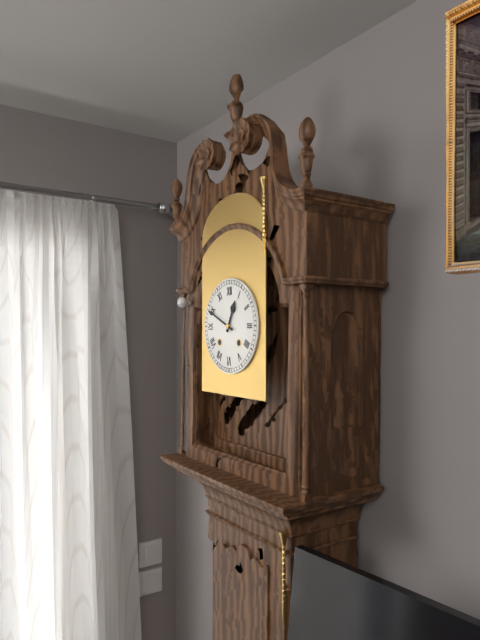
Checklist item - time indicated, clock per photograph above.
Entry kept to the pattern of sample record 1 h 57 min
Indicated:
12 h 49 min
